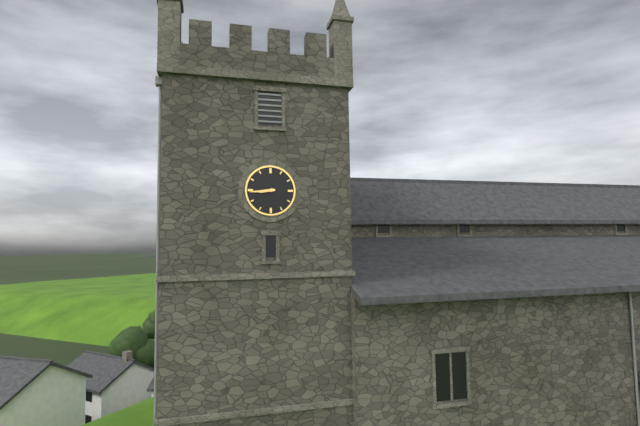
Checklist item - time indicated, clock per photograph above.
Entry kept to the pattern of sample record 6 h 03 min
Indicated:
8 h 44 min
